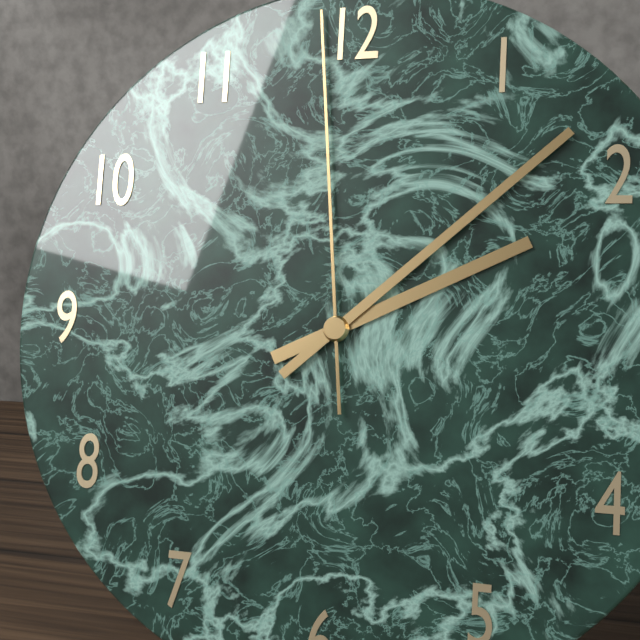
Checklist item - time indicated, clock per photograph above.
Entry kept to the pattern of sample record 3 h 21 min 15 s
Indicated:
2 h 08 min 59 s
